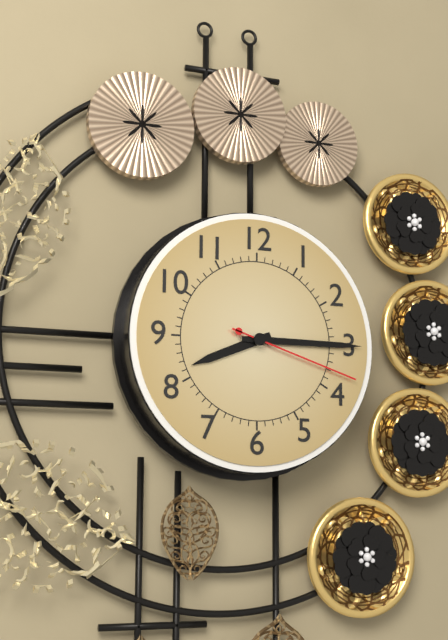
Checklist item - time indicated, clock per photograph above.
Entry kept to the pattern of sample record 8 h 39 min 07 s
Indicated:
8 h 15 min 18 s
